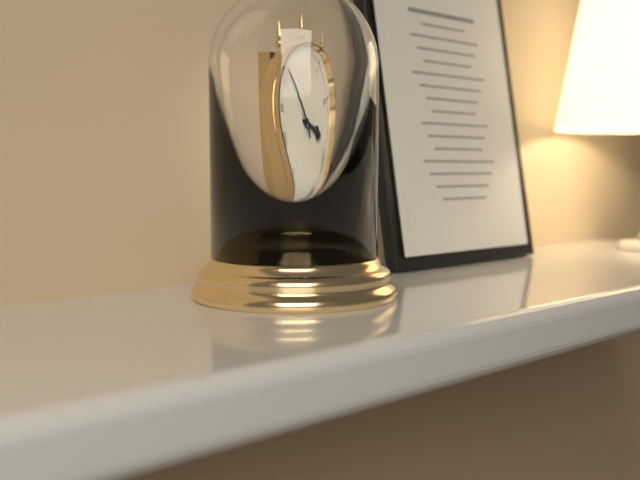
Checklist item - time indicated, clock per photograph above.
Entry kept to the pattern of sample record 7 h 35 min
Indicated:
2 h 52 min
